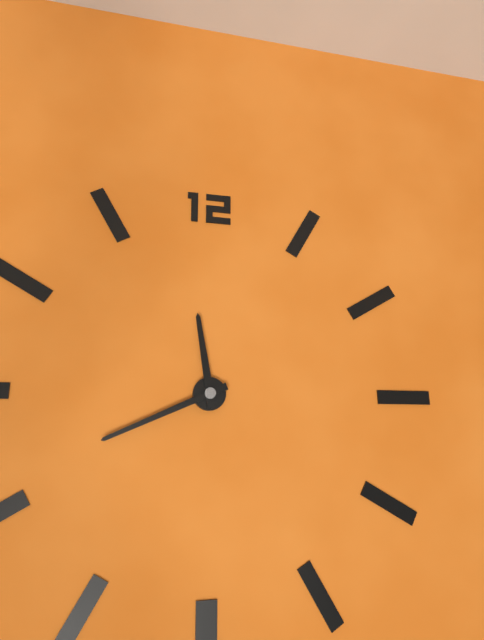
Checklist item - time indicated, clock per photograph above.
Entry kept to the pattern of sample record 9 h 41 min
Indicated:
11 h 41 min
